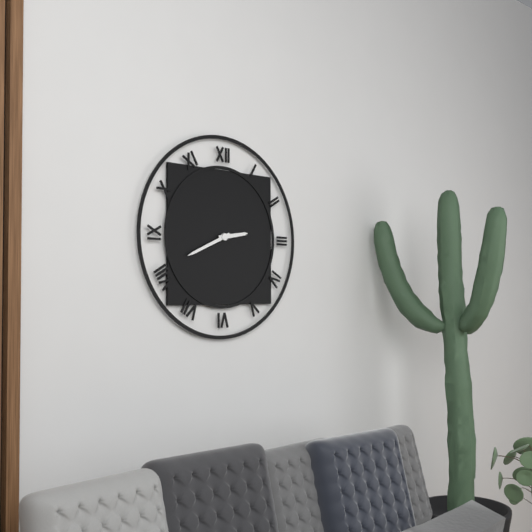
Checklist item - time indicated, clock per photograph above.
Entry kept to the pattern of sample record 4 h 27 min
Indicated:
2 h 41 min
